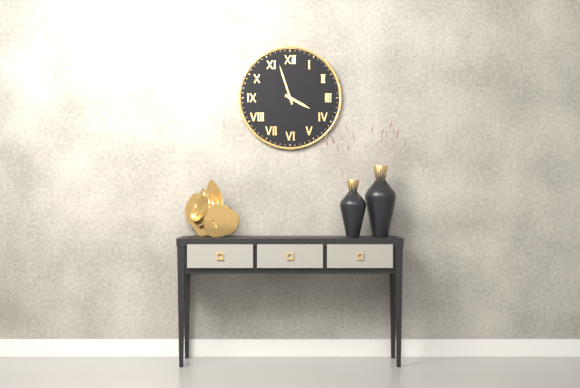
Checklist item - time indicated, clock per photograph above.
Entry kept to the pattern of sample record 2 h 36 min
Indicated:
3 h 57 min
